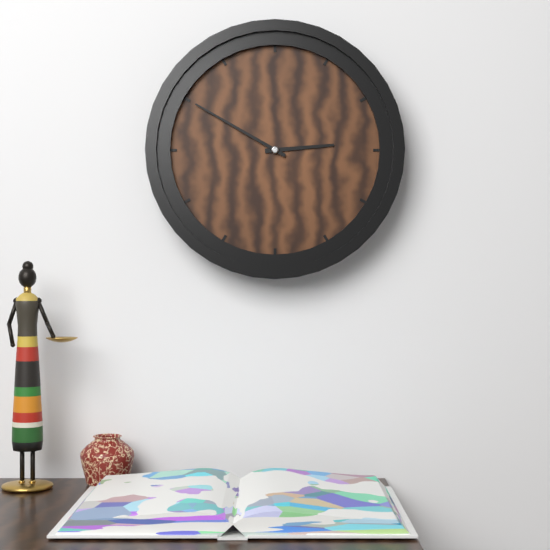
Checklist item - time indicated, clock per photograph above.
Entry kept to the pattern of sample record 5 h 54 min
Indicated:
2 h 50 min
